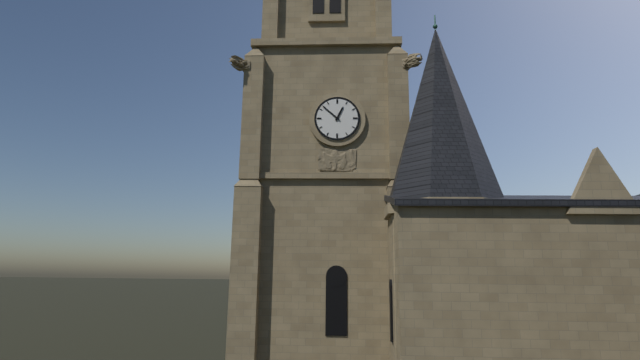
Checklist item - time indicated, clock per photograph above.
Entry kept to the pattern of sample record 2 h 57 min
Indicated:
12 h 52 min
